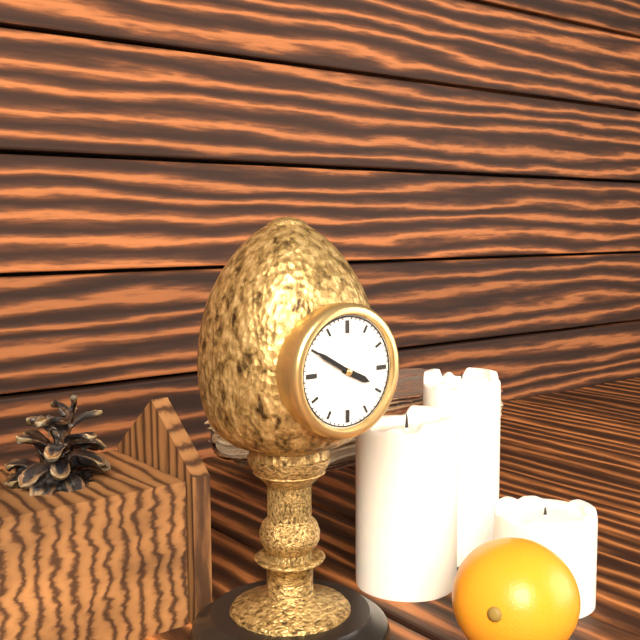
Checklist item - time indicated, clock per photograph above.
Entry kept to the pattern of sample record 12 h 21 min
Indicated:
3 h 50 min
